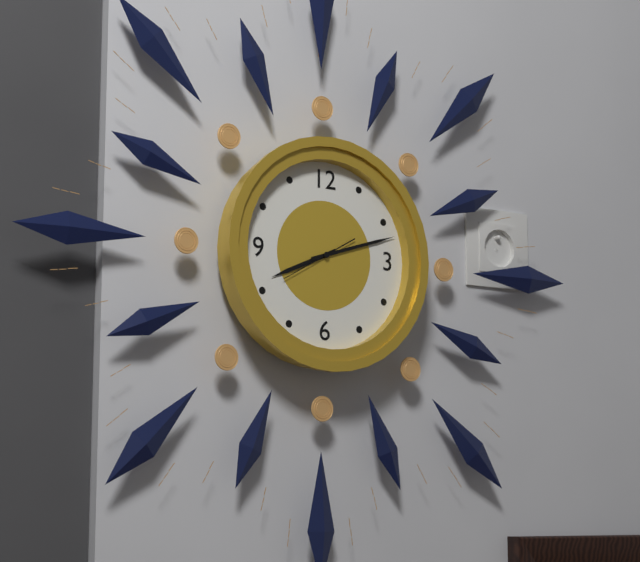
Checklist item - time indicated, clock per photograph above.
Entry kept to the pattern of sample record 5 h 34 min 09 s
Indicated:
8 h 12 min 40 s
